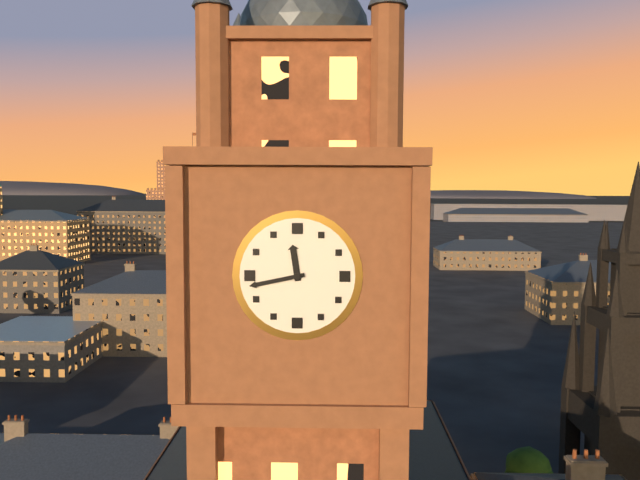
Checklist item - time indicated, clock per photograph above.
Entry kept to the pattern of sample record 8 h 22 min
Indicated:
11 h 43 min
